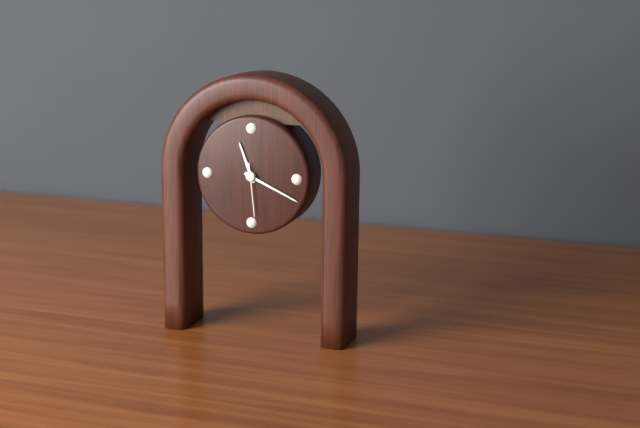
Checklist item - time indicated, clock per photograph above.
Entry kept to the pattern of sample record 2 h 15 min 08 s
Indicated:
11 h 19 min 29 s
